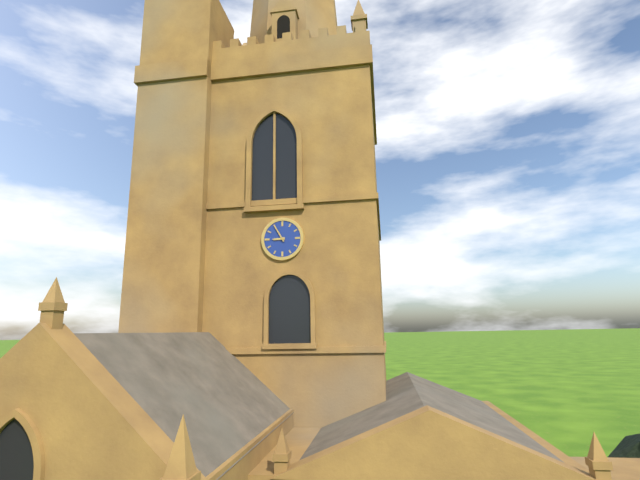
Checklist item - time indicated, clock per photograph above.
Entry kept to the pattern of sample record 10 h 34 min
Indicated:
8 h 55 min
